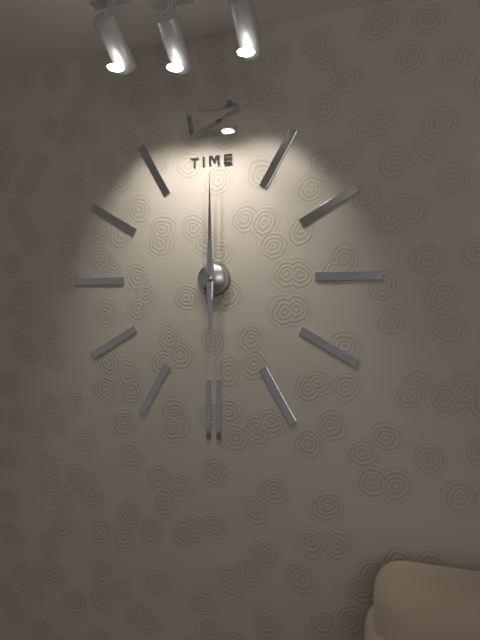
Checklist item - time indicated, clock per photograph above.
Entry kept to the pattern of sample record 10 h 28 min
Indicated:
6 h 00 min
